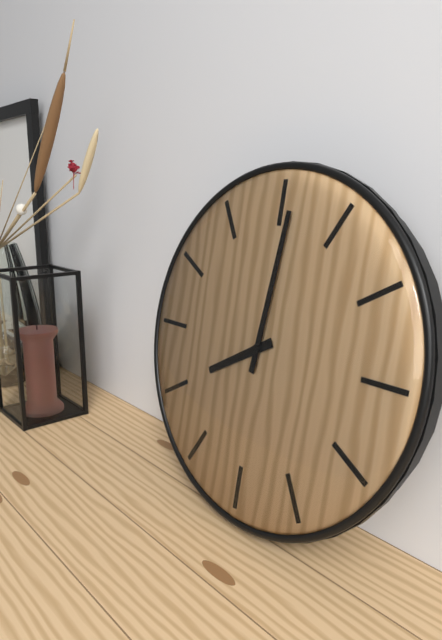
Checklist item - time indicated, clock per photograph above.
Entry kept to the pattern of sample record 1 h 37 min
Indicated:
8 h 01 min
